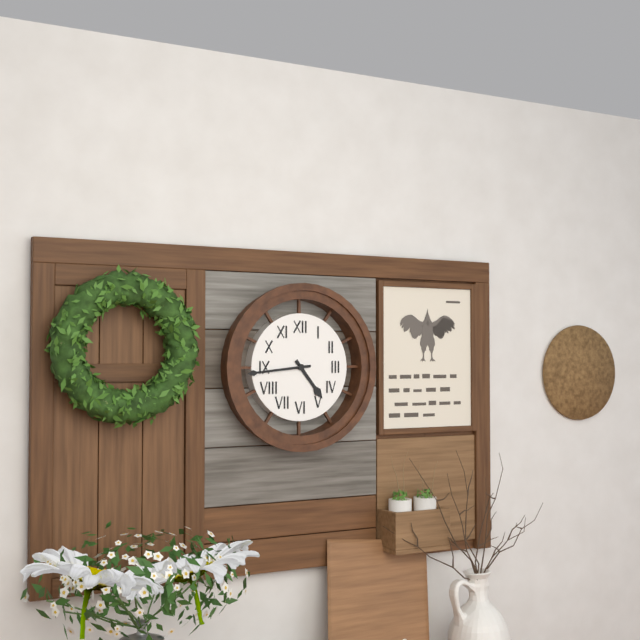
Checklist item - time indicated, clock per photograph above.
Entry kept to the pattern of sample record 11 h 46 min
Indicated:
4 h 44 min
